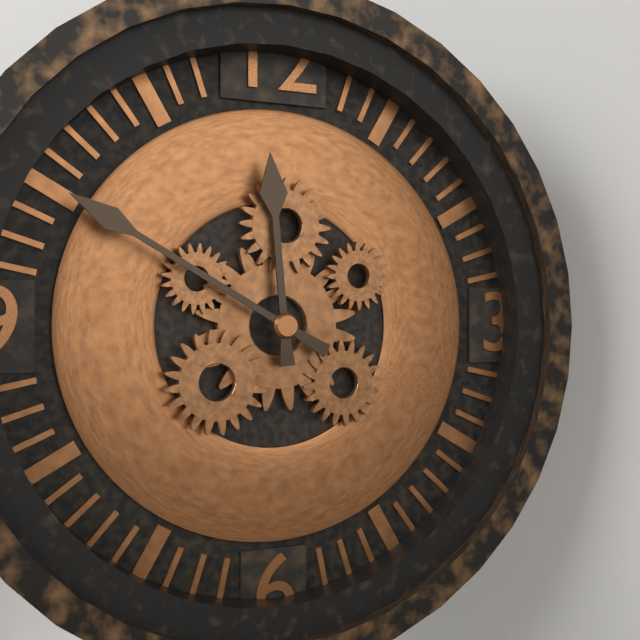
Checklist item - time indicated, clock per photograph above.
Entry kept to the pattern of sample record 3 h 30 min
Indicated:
11 h 50 min
